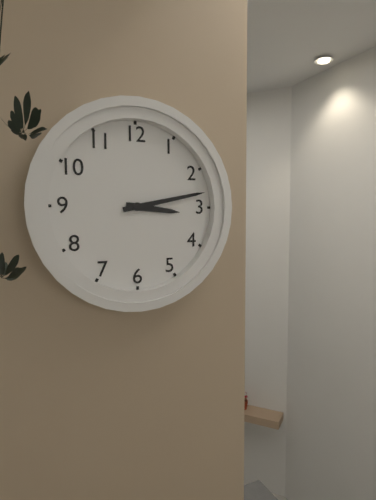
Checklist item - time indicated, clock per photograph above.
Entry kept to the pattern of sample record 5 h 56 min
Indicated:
3 h 13 min
